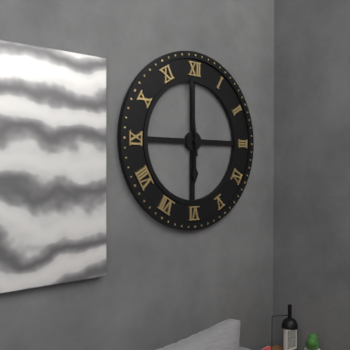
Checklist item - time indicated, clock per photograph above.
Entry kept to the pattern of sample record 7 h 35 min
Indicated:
5 h 59 min
